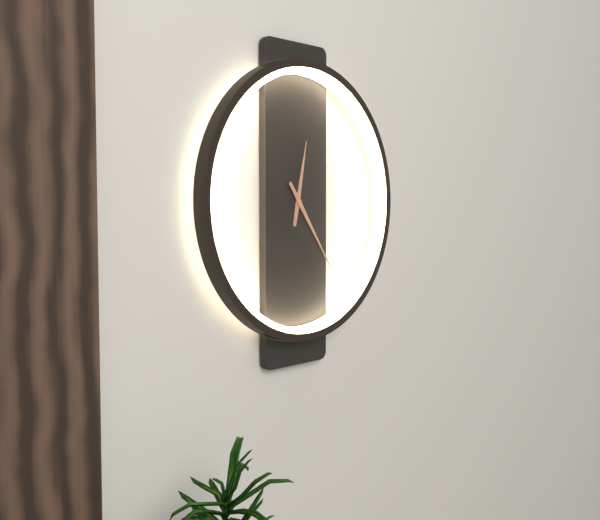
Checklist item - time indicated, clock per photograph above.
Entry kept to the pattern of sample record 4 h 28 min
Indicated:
12 h 24 min
